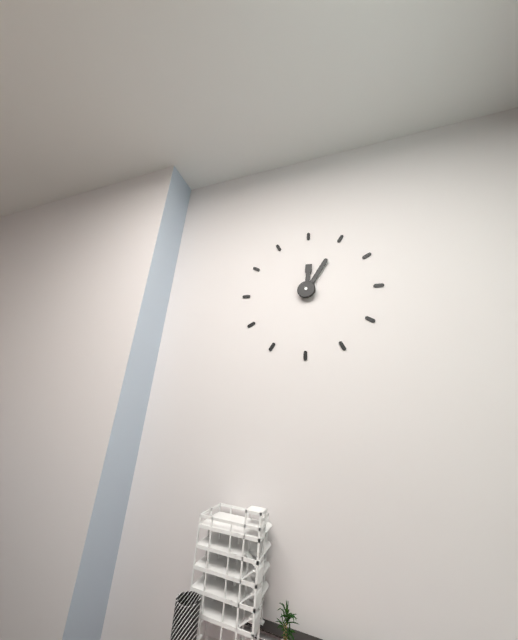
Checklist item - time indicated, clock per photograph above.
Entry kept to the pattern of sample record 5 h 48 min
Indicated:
12 h 05 min
